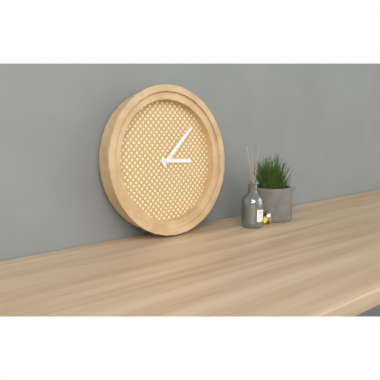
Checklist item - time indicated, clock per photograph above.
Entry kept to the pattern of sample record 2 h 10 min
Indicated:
3 h 08 min
